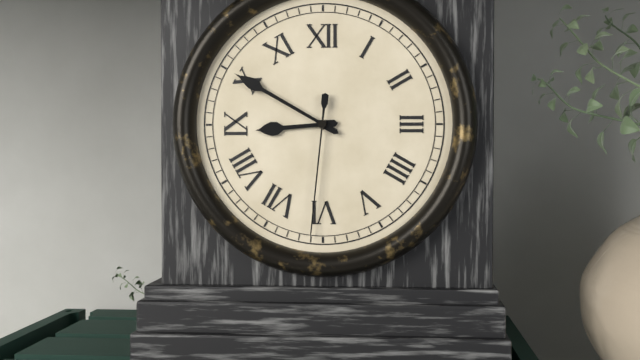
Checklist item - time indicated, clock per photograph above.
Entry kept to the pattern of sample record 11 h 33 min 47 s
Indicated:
8 h 50 min 31 s
